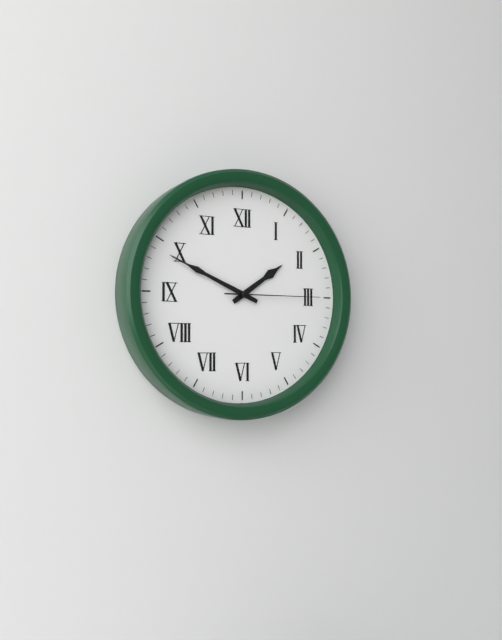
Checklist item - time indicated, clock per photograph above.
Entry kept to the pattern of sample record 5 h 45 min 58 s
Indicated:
1 h 49 min 15 s
